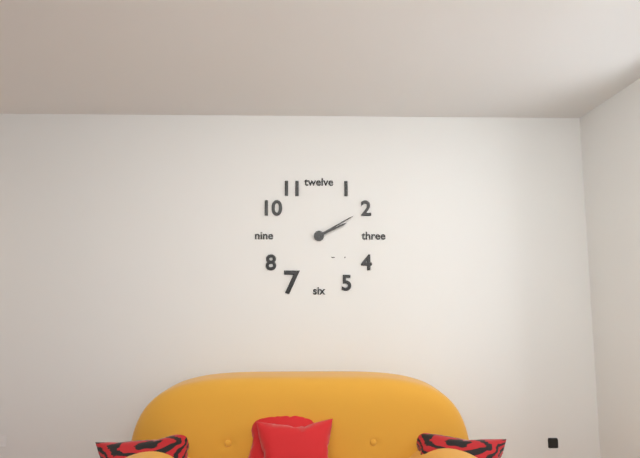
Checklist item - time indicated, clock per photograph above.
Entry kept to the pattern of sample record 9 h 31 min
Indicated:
2 h 10 min
